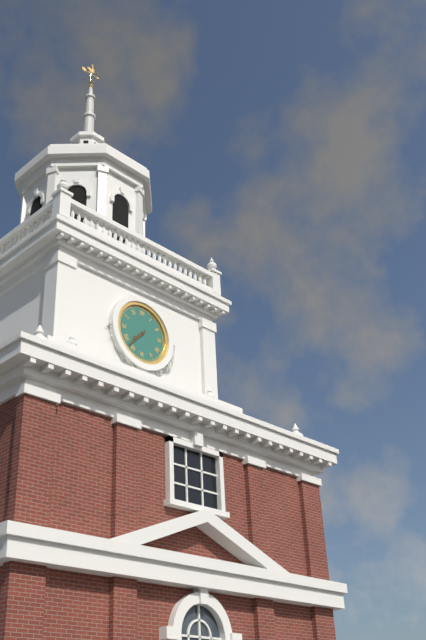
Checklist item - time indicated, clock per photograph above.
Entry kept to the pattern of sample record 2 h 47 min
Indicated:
7 h 37 min
